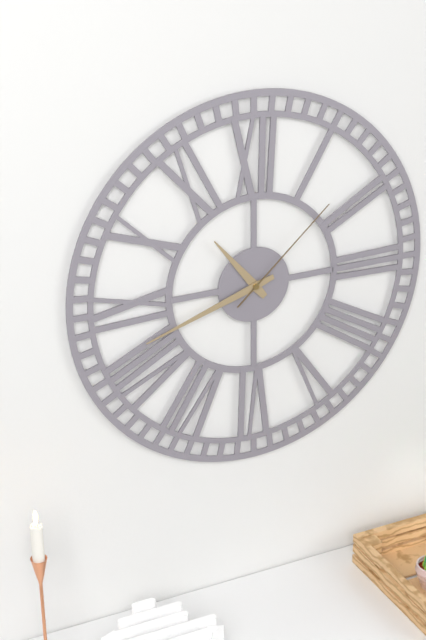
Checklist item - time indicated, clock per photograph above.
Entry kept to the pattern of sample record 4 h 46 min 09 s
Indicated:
10 h 42 min 08 s
